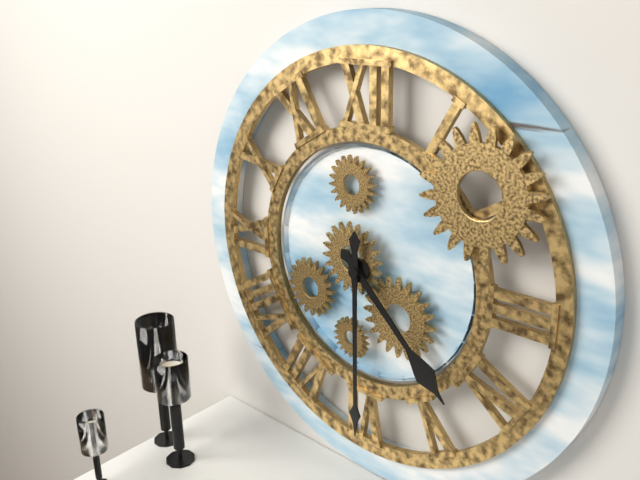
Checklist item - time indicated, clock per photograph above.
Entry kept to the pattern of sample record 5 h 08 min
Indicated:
4 h 30 min
